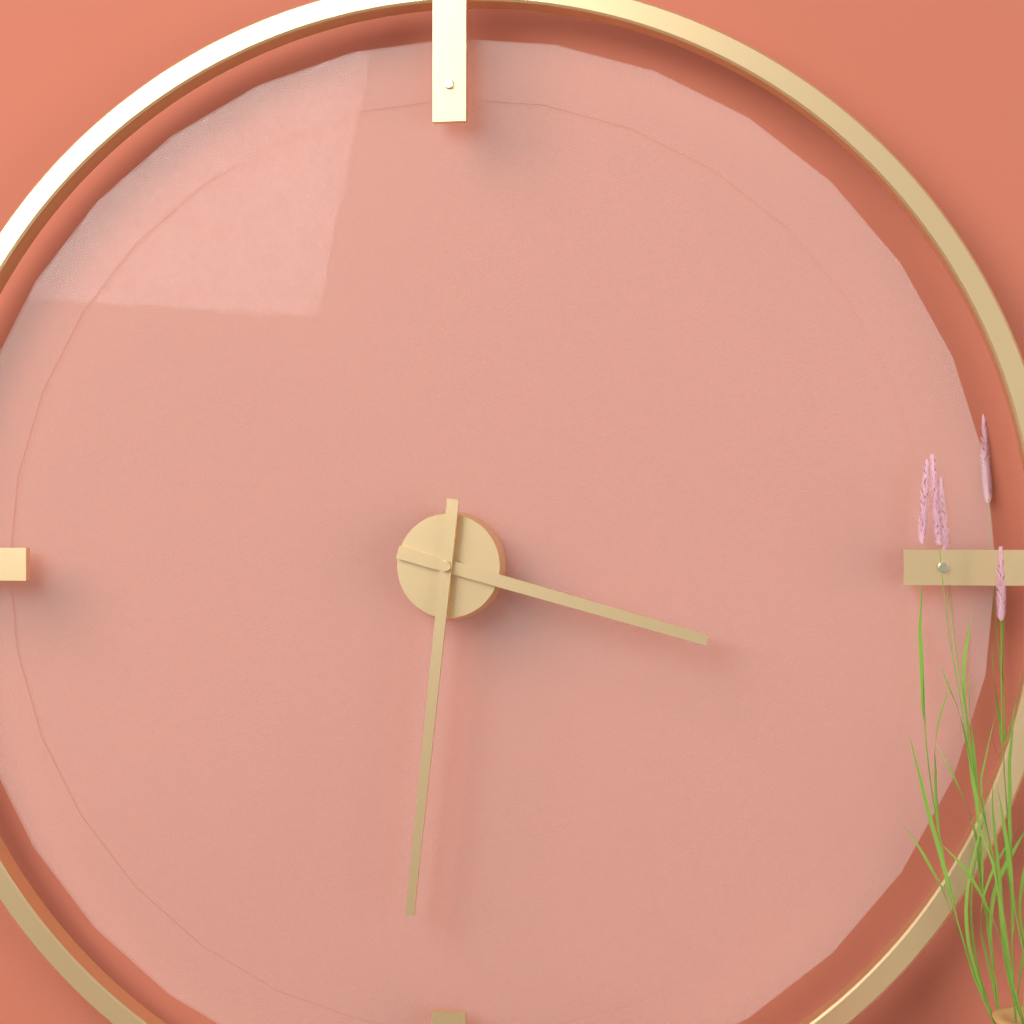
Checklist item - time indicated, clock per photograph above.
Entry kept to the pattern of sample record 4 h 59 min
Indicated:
3 h 31 min
